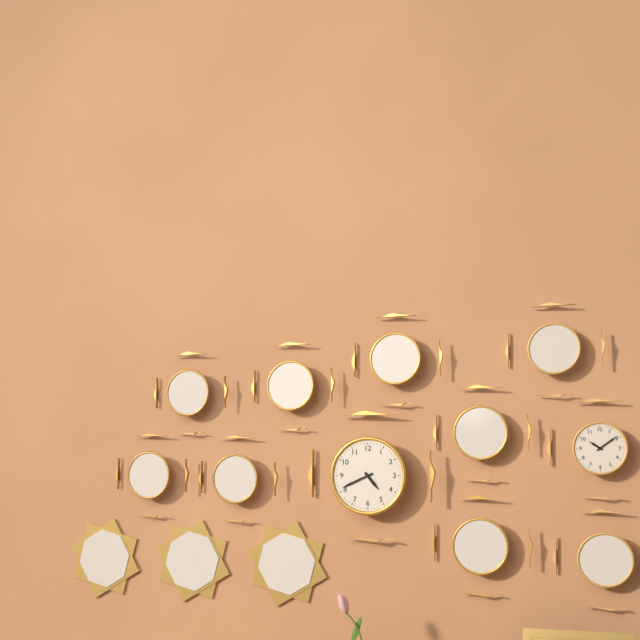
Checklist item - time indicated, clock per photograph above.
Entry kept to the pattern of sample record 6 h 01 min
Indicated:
4 h 41 min
